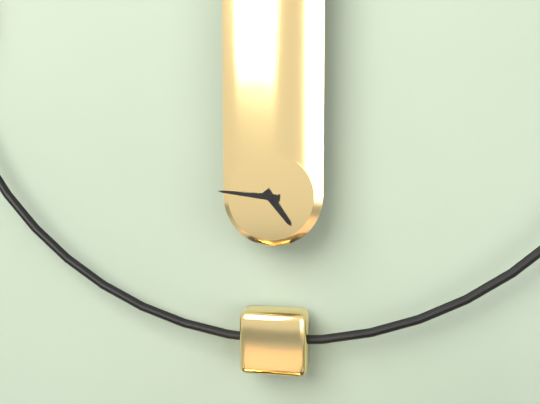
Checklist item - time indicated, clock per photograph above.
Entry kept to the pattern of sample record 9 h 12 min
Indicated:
4 h 46 min
